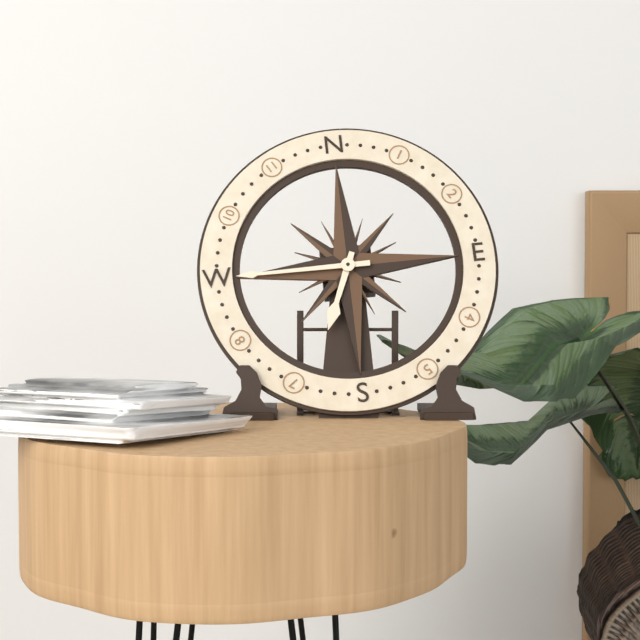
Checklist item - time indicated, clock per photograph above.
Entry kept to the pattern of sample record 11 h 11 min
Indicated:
6 h 45 min
